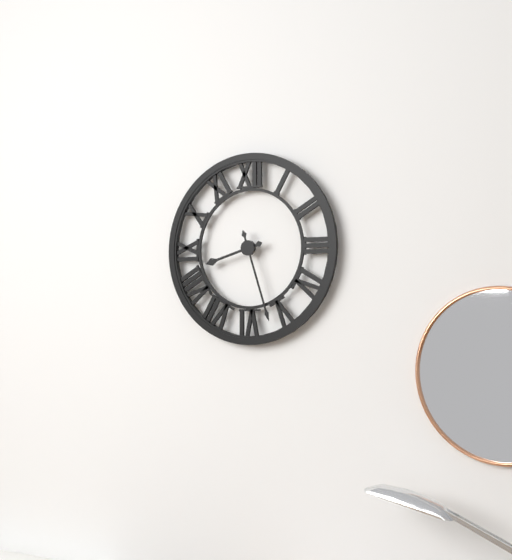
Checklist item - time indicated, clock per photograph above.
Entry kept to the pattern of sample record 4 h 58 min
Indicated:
8 h 27 min
